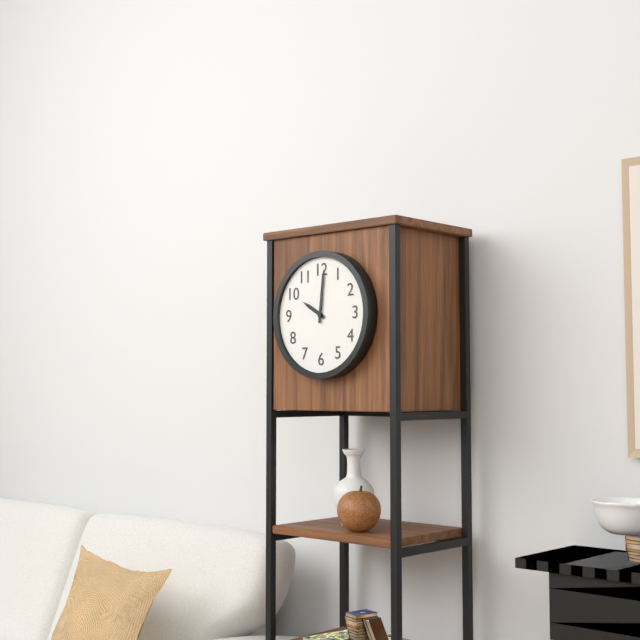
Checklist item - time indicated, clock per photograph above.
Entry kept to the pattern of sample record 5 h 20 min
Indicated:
10 h 01 min
